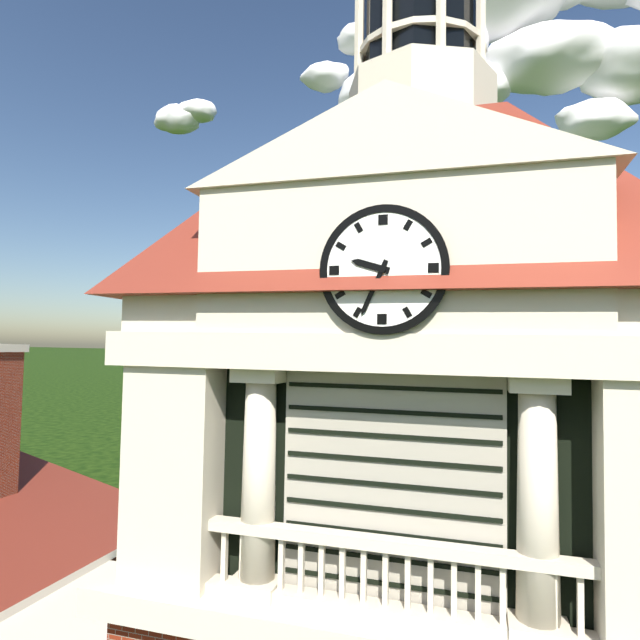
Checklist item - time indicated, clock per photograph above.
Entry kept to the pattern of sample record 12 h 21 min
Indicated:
9 h 34 min
